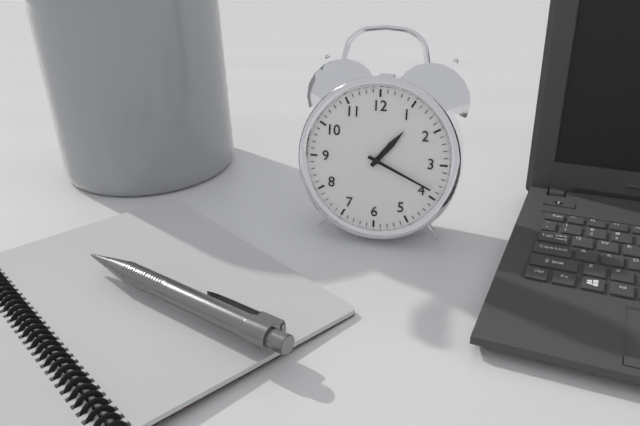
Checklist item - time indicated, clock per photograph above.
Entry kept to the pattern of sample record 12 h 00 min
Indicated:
1 h 19 min
